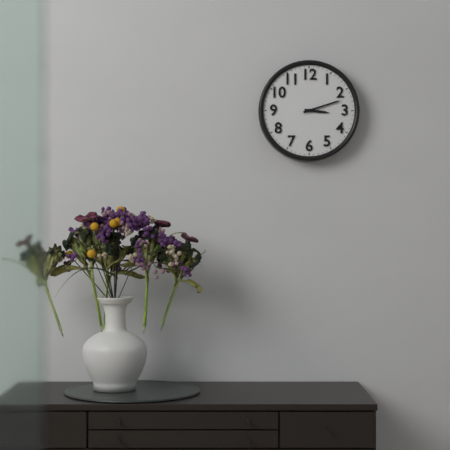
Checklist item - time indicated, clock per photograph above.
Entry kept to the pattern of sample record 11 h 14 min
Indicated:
3 h 12 min
